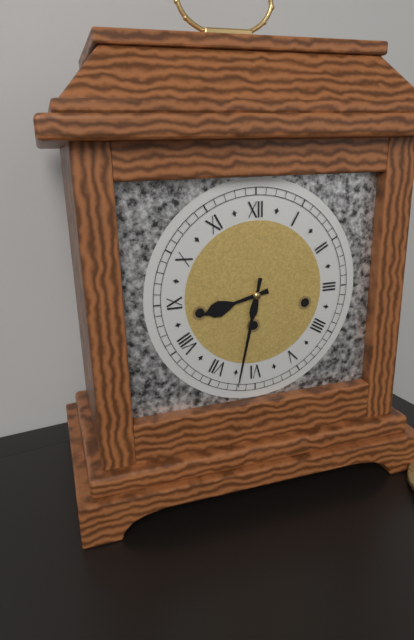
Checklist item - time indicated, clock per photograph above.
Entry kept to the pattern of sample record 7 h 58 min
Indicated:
8 h 32 min
